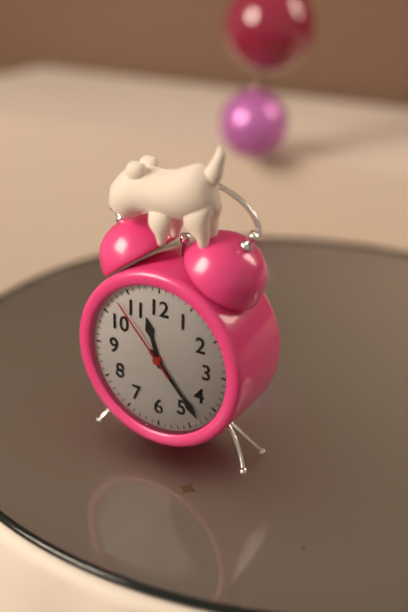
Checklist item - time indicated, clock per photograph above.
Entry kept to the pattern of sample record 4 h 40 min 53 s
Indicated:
11 h 23 min 53 s
